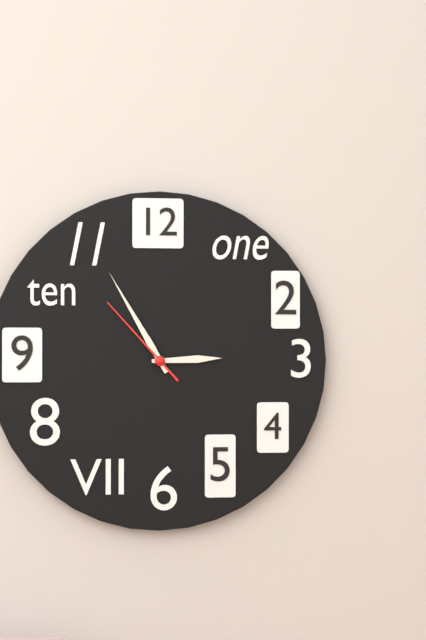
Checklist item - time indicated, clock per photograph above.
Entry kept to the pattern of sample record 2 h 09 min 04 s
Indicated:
2 h 55 min 53 s
